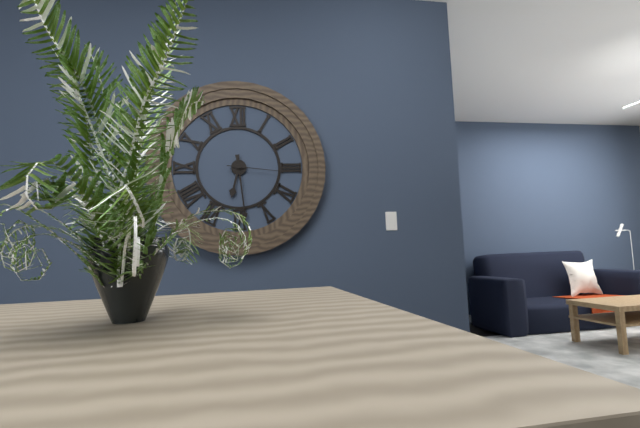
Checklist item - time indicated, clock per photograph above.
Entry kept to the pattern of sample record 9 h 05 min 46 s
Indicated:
6 h 29 min 16 s
